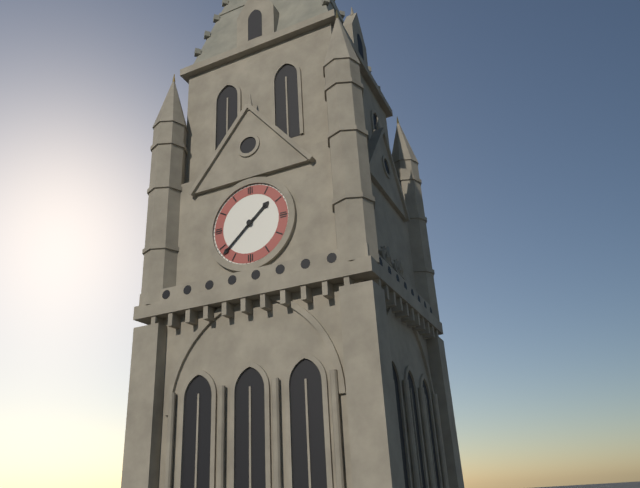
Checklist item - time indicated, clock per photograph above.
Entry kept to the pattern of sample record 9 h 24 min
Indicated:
1 h 38 min
